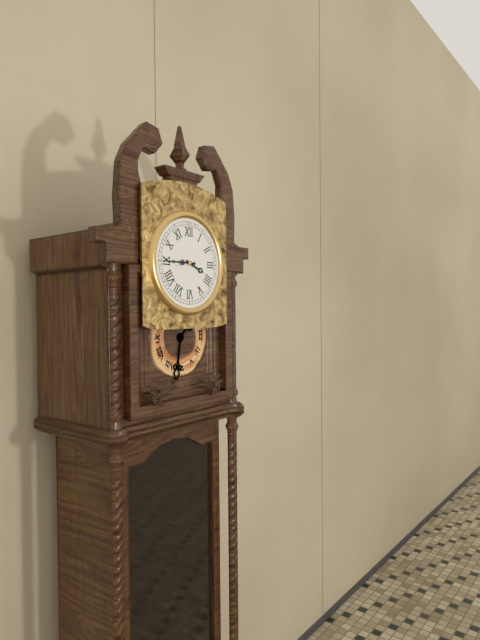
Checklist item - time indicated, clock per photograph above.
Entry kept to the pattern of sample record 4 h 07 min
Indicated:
3 h 45 min
